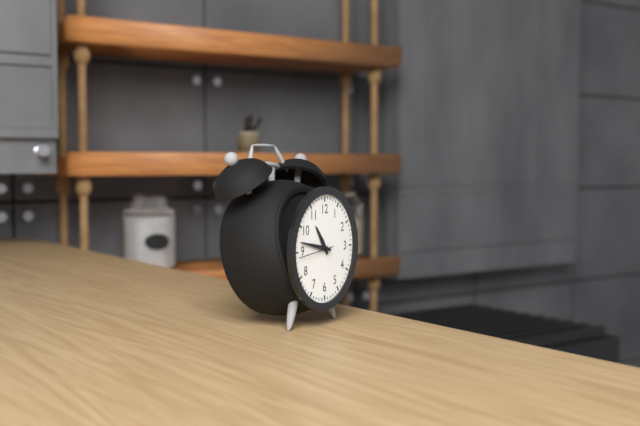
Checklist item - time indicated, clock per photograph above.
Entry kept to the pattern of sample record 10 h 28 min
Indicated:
10 h 47 min
